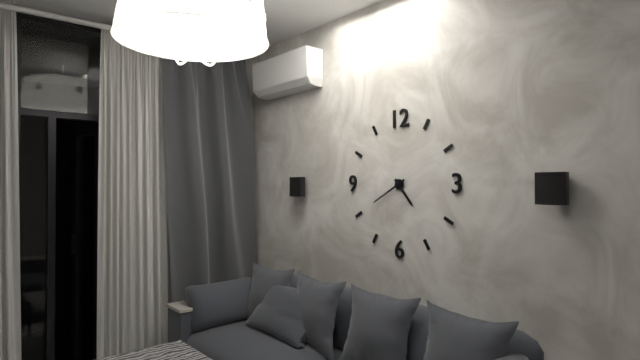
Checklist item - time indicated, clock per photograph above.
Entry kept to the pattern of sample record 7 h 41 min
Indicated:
4 h 40 min
